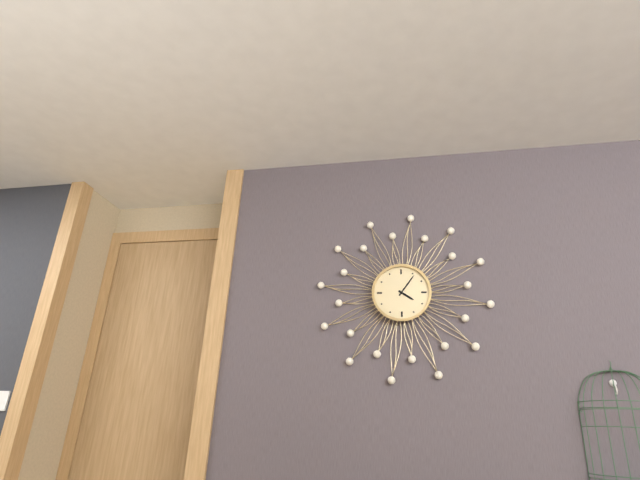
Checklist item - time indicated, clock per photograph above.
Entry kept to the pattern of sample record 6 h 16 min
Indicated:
4 h 06 min
